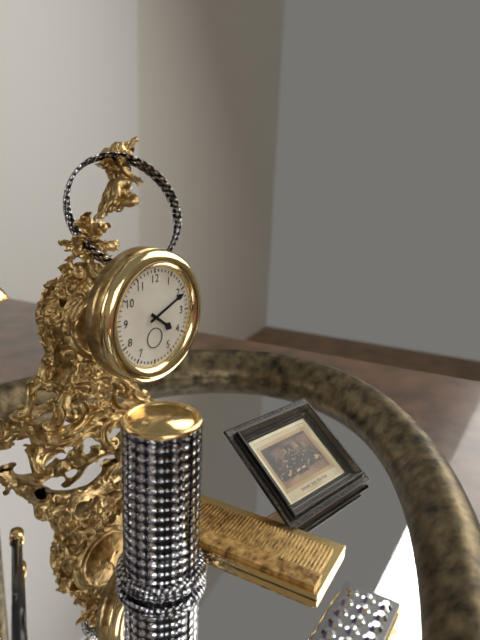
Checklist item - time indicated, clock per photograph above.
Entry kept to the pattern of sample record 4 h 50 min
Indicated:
4 h 11 min
